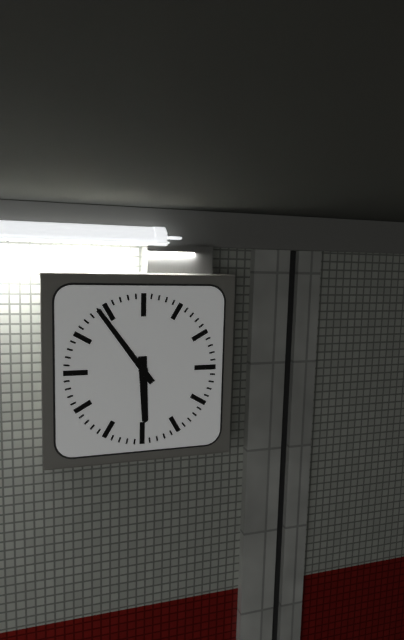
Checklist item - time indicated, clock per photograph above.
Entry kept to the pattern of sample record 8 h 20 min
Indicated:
5 h 54 min
